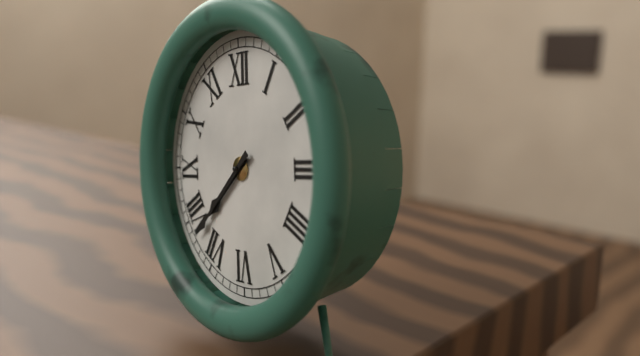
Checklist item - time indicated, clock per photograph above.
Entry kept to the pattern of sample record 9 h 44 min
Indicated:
7 h 38 min
